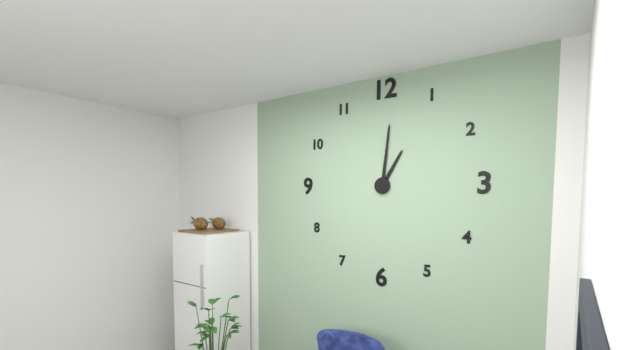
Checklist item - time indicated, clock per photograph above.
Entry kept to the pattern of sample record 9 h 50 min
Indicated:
1 h 01 min
